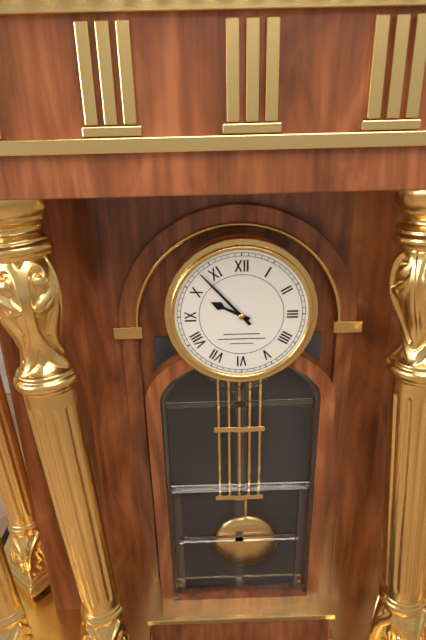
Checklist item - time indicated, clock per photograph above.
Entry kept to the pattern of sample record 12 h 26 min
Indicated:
9 h 53 min
